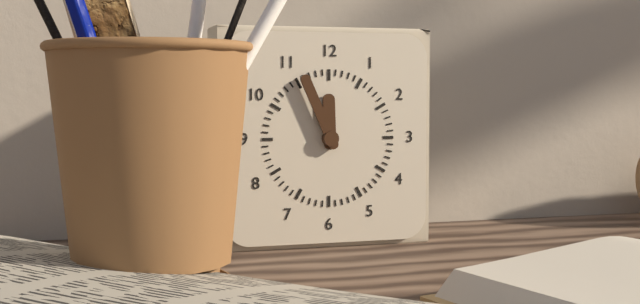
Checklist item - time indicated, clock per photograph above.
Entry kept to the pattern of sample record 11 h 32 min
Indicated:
11 h 56 min
